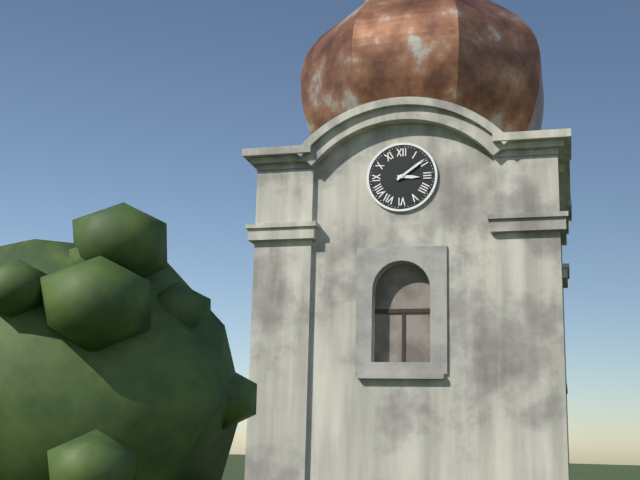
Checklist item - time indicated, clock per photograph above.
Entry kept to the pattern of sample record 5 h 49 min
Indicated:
3 h 09 min
